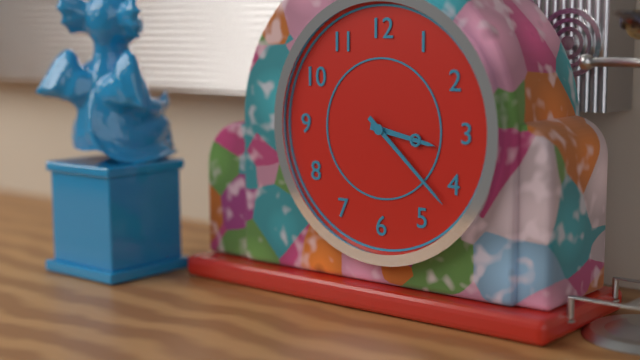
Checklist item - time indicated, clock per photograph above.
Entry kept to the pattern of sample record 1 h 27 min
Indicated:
3 h 22 min
